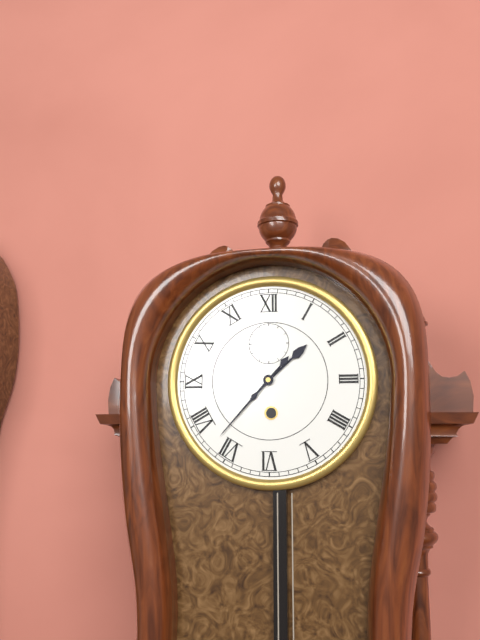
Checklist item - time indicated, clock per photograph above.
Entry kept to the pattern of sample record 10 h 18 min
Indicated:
1 h 37 min
